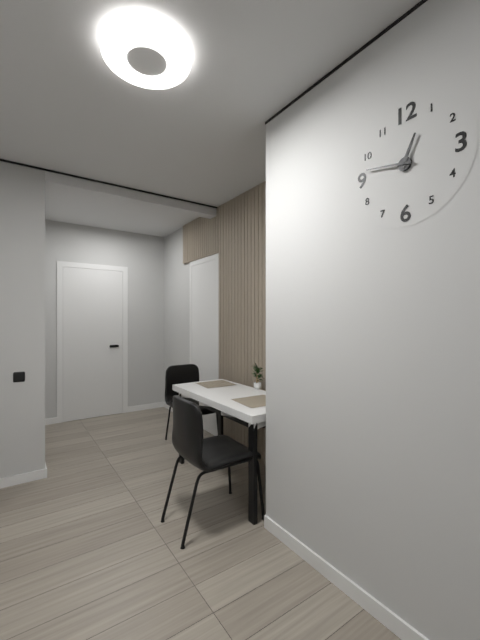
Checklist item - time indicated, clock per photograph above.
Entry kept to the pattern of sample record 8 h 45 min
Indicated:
12 h 47 min
